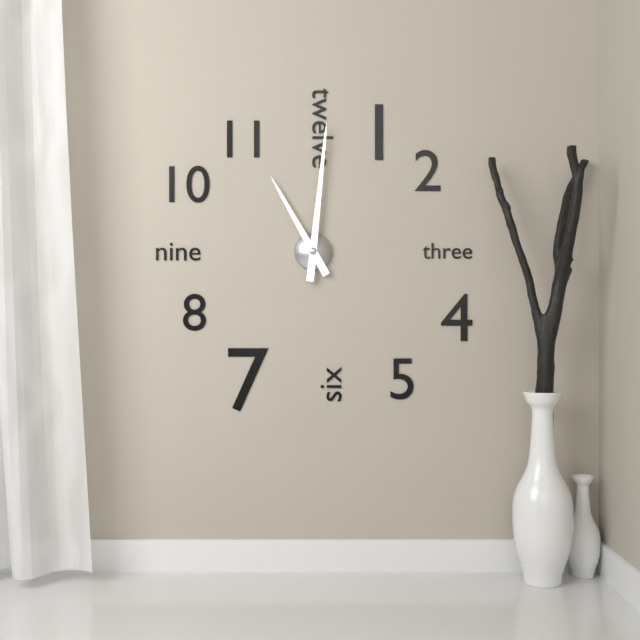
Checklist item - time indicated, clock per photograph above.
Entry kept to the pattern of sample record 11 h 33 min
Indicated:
11 h 01 min
